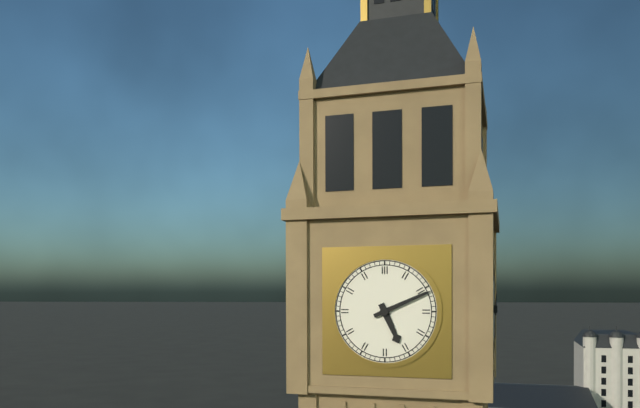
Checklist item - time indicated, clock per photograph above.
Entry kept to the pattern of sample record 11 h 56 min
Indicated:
5 h 11 min
